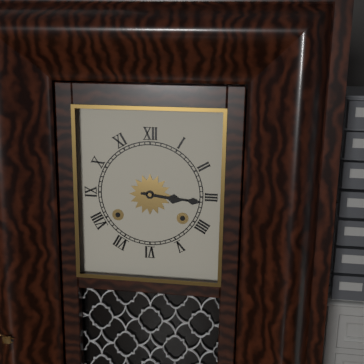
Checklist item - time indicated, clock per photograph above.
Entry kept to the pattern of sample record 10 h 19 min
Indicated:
3 h 16 min
